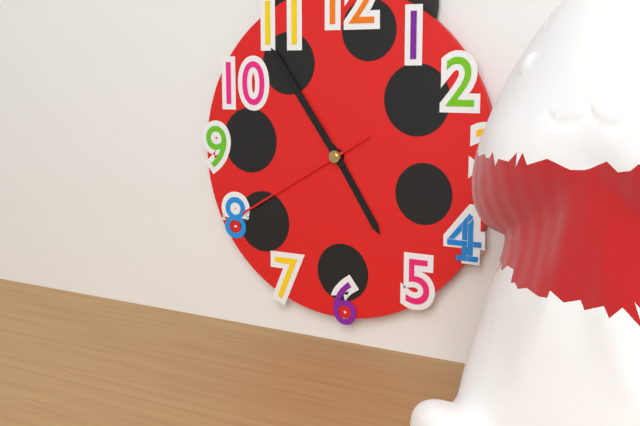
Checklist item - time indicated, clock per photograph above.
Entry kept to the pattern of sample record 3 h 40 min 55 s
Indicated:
4 h 54 min 40 s
